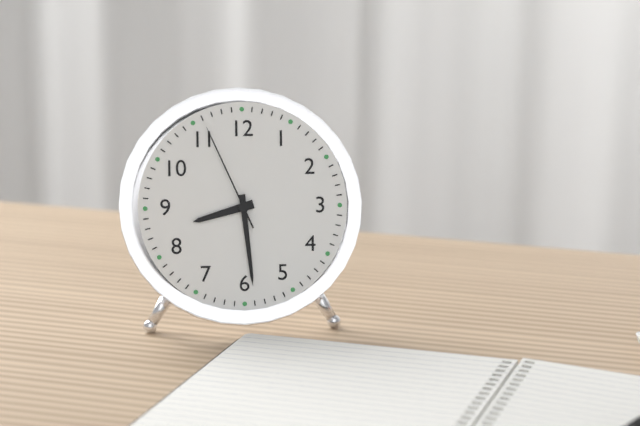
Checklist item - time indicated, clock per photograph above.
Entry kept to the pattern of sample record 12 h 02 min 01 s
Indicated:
8 h 29 min 56 s
